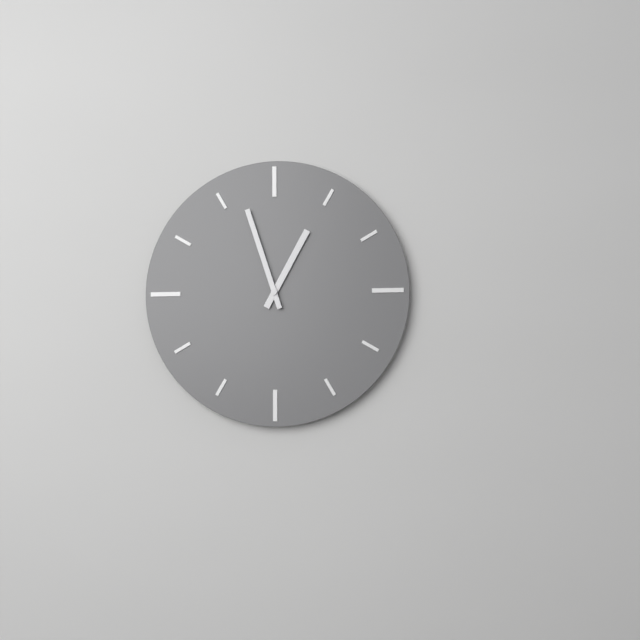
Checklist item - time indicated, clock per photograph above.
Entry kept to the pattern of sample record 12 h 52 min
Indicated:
12 h 57 min
